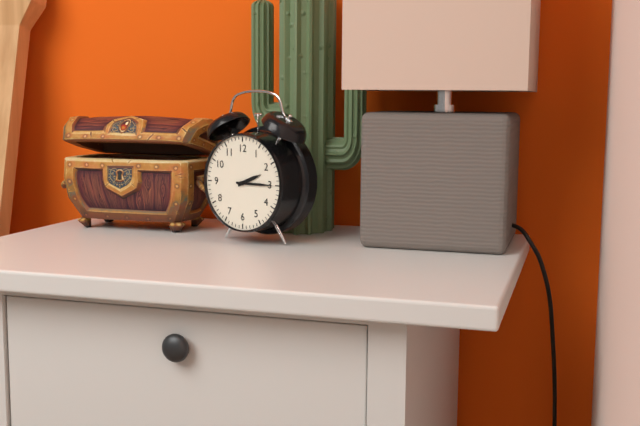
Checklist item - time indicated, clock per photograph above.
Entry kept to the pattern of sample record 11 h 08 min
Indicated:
2 h 15 min
